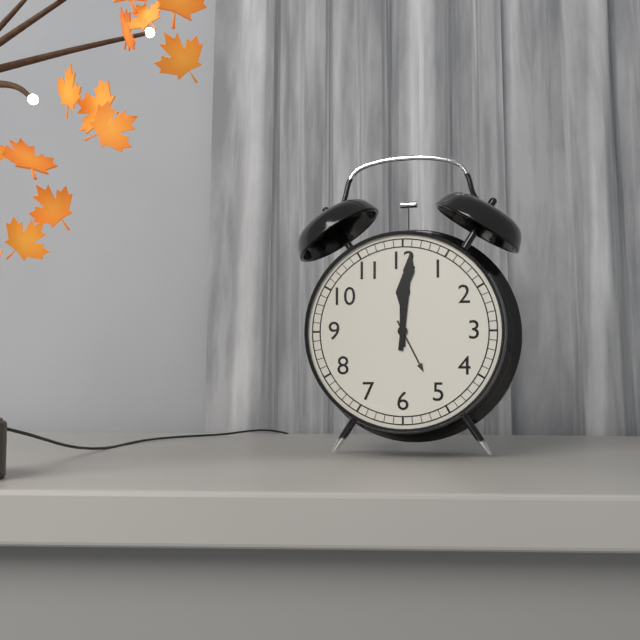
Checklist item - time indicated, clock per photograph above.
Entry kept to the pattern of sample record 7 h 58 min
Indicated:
12 h 01 min
